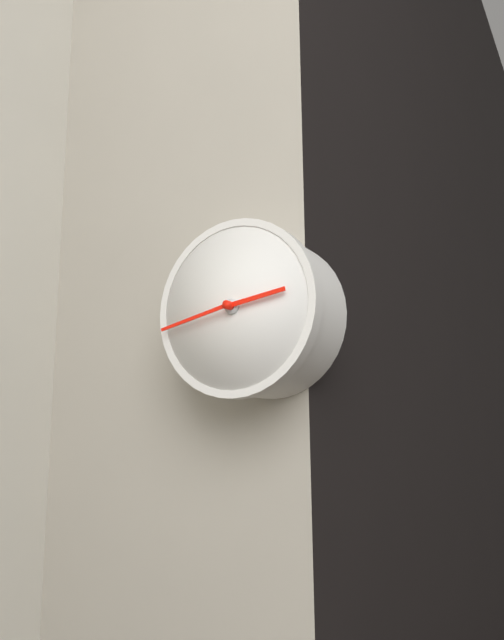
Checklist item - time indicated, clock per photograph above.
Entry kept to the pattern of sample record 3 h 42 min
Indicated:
2 h 43 min
